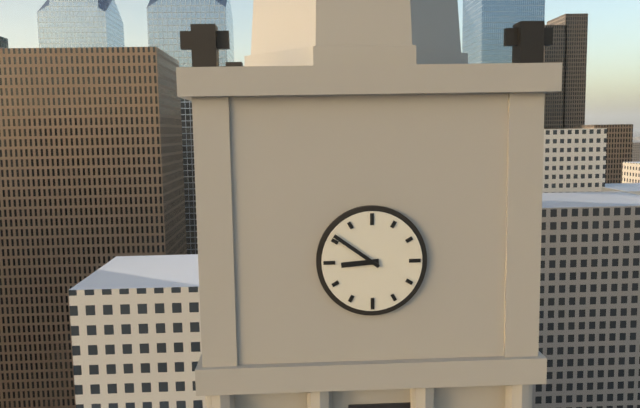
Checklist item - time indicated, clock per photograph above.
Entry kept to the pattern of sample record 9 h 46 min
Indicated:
8 h 51 min
